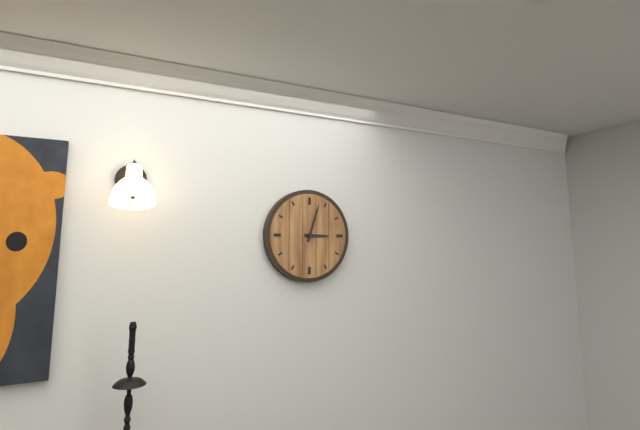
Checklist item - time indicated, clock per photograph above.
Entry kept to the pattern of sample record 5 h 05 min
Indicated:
3 h 03 min
